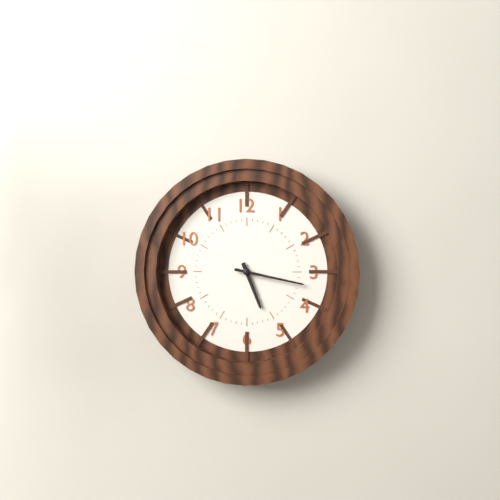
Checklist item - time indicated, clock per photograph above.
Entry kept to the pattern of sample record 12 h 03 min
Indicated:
5 h 17 min
